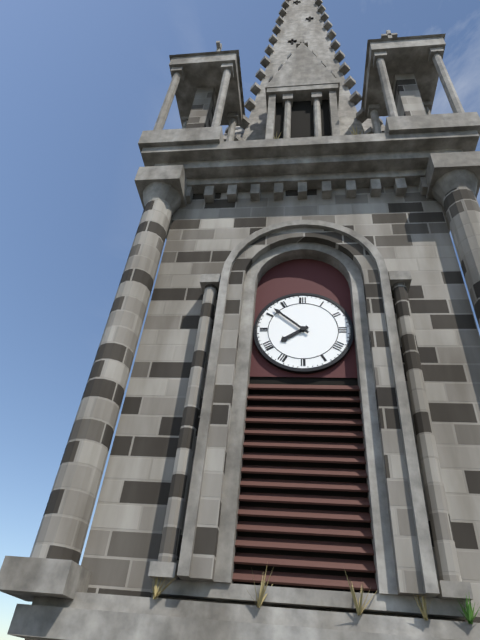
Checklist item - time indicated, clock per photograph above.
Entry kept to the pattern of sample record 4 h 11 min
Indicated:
7 h 52 min
